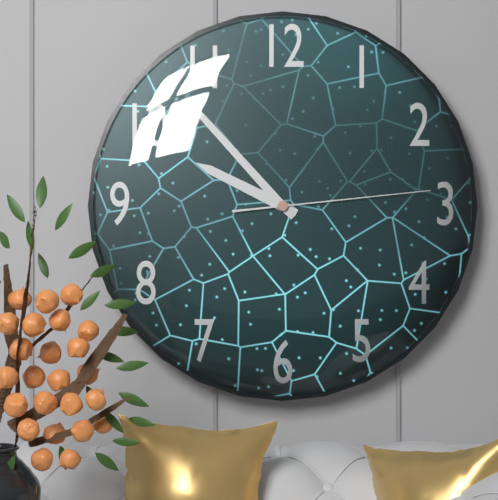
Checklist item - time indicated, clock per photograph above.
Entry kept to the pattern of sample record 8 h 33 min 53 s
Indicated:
9 h 53 min 14 s
